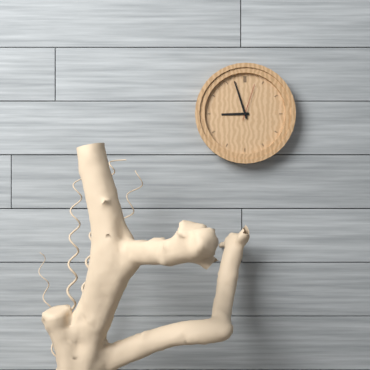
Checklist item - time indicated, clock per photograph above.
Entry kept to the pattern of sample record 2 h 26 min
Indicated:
8 h 57 min
